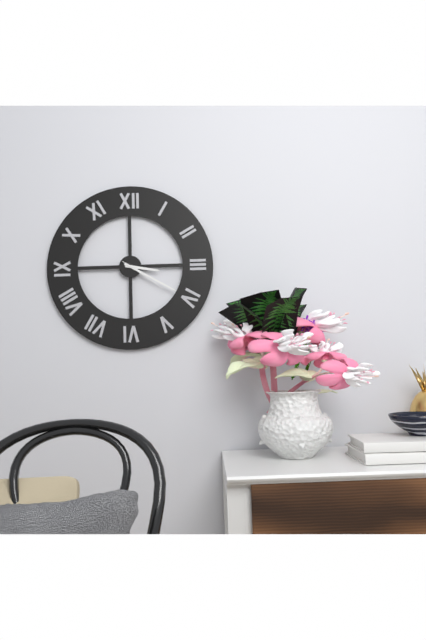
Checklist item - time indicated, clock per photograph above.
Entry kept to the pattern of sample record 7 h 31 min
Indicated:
3 h 20 min
